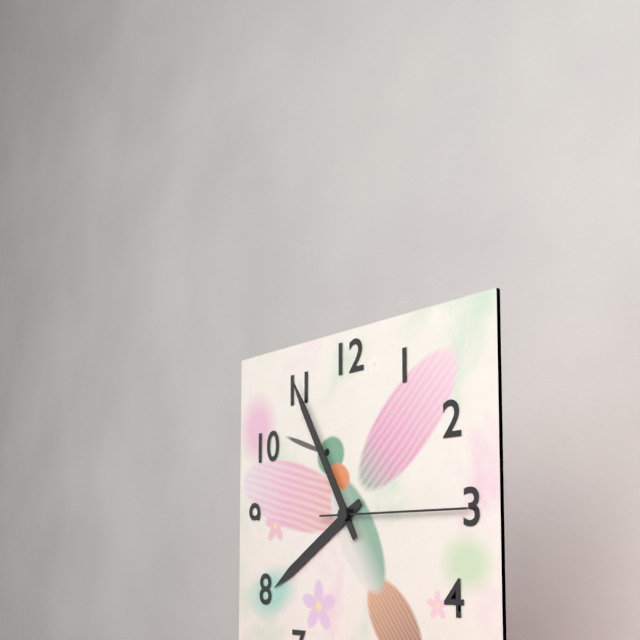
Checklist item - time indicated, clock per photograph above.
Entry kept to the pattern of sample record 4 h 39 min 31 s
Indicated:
7 h 55 min 15 s
